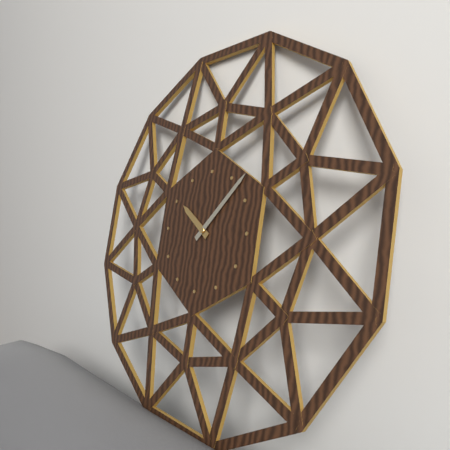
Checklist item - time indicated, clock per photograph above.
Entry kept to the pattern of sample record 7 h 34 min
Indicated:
10 h 07 min
